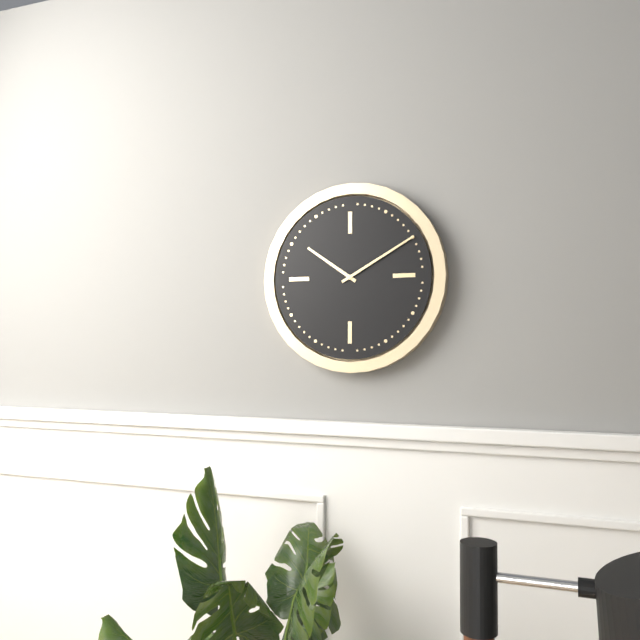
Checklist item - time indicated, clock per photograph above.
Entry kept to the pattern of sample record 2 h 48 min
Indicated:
10 h 10 min
